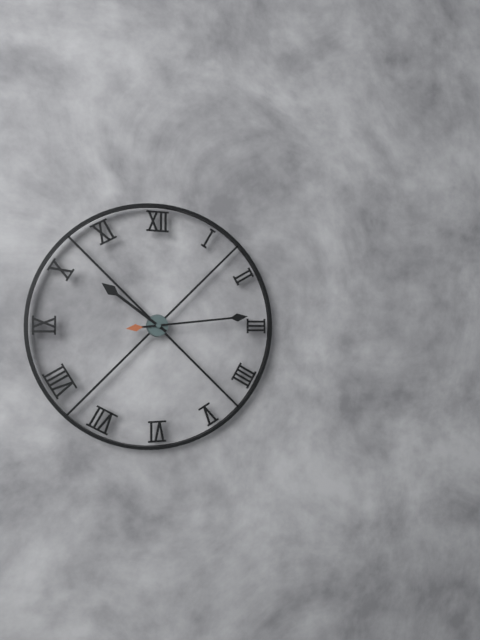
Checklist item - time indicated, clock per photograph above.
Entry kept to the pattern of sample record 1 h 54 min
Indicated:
10 h 14 min
